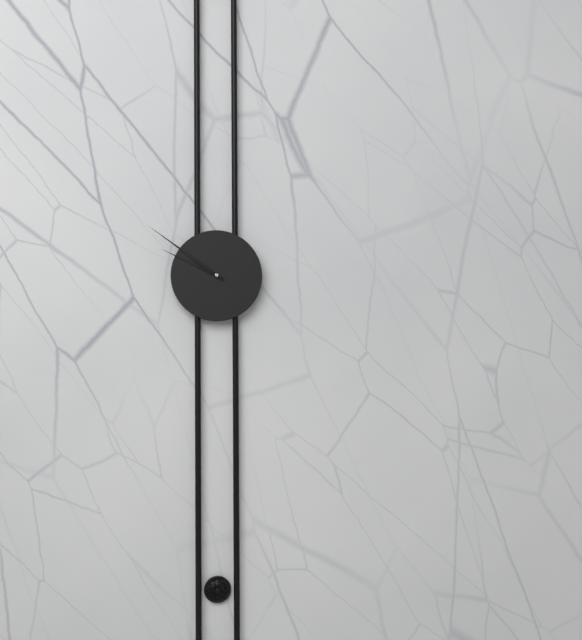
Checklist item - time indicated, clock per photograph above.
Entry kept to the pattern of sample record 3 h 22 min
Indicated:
9 h 51 min
